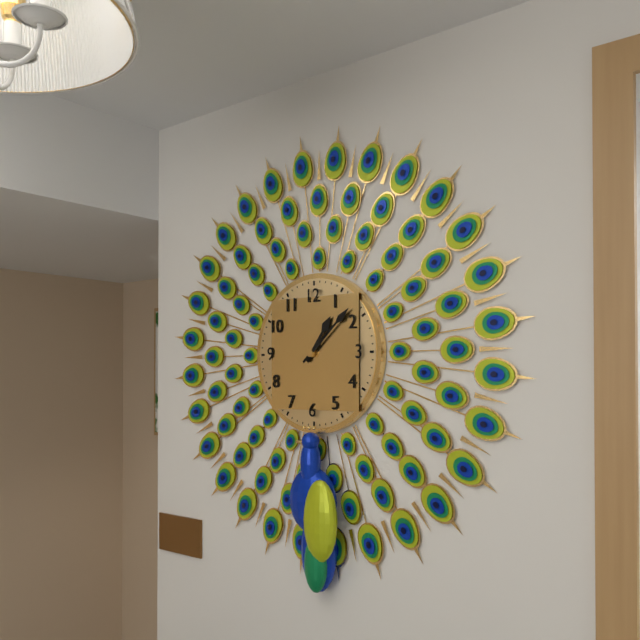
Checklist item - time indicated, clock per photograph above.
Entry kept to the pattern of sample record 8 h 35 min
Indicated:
1 h 08 min
